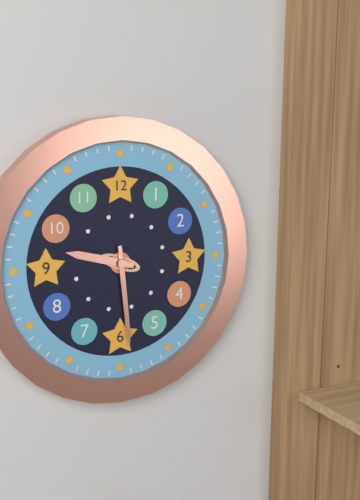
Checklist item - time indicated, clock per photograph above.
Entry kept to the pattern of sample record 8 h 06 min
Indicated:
9 h 29 min
